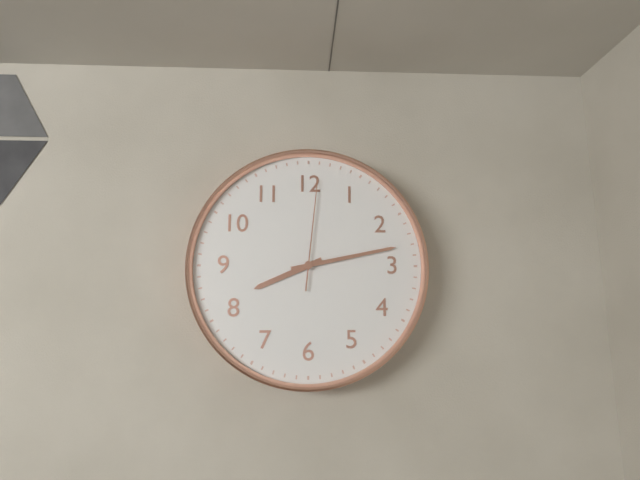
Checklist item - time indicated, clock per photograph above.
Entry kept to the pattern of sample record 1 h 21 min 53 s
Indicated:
8 h 13 min 01 s
